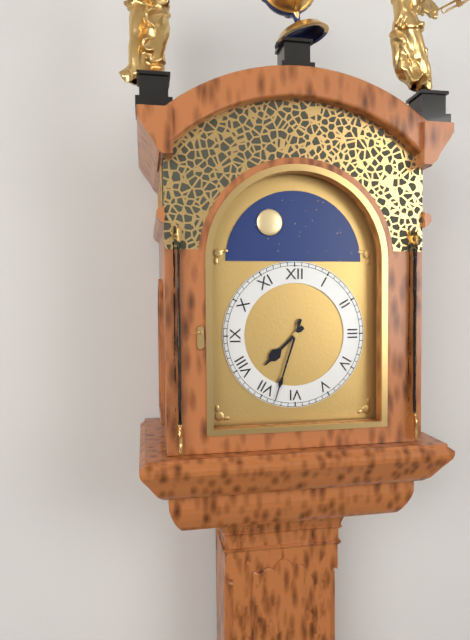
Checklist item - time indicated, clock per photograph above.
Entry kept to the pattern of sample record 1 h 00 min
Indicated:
7 h 33 min
